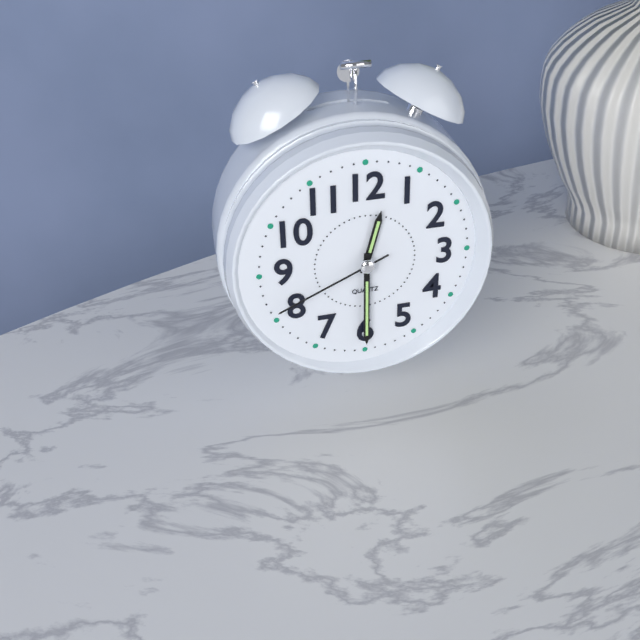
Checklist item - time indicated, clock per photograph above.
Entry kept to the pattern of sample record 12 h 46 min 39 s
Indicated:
12 h 30 min 41 s
